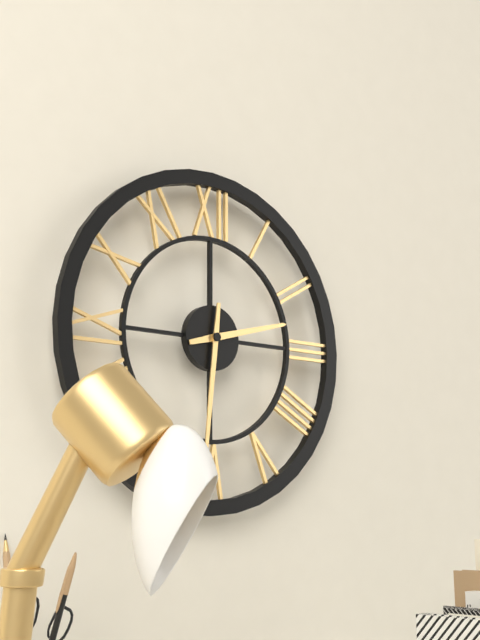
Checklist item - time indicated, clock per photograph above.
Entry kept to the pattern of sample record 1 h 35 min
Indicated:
2 h 31 min
